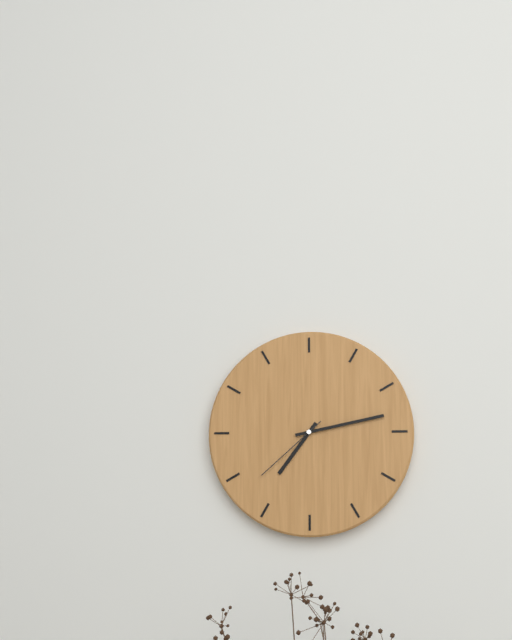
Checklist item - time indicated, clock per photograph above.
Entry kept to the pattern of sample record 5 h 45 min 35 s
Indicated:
7 h 13 min 38 s
